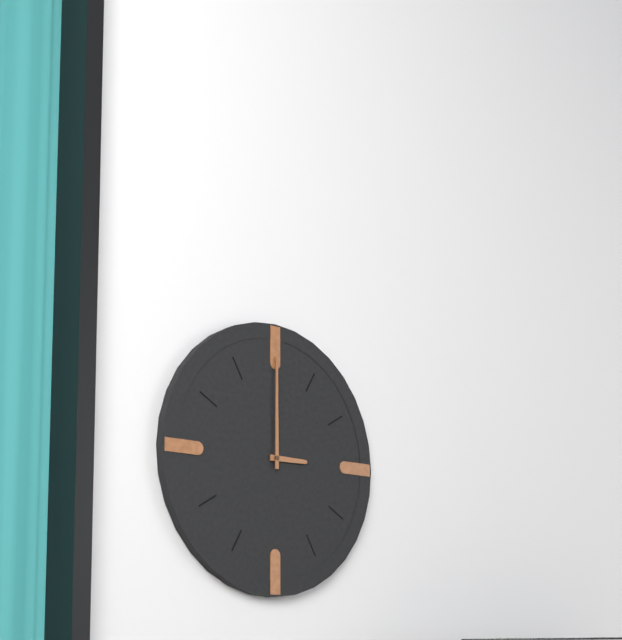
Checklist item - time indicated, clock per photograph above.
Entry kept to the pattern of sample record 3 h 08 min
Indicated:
3 h 00 min
